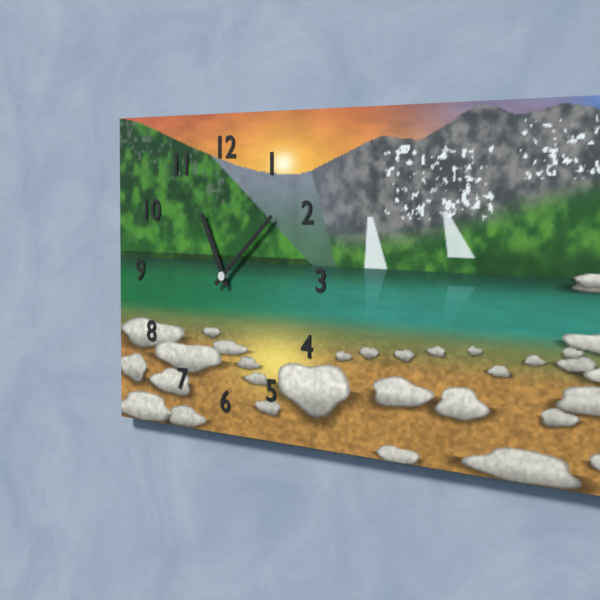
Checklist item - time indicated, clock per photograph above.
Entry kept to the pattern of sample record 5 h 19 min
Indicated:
11 h 08 min
